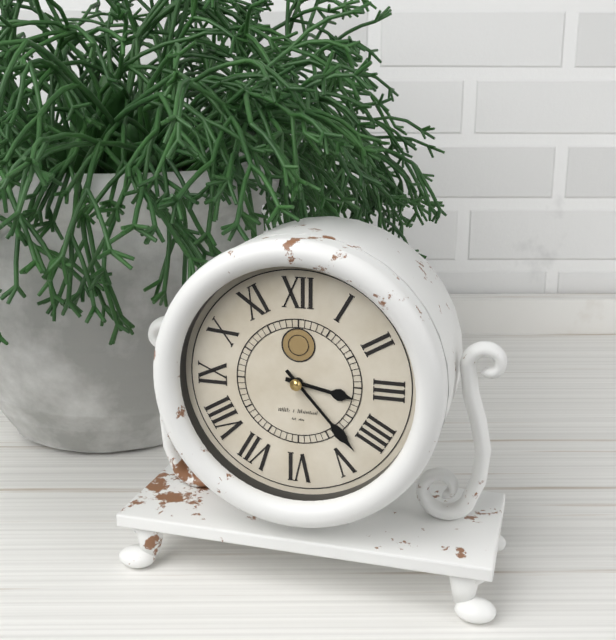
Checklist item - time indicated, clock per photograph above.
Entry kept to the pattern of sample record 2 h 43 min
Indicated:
3 h 23 min
